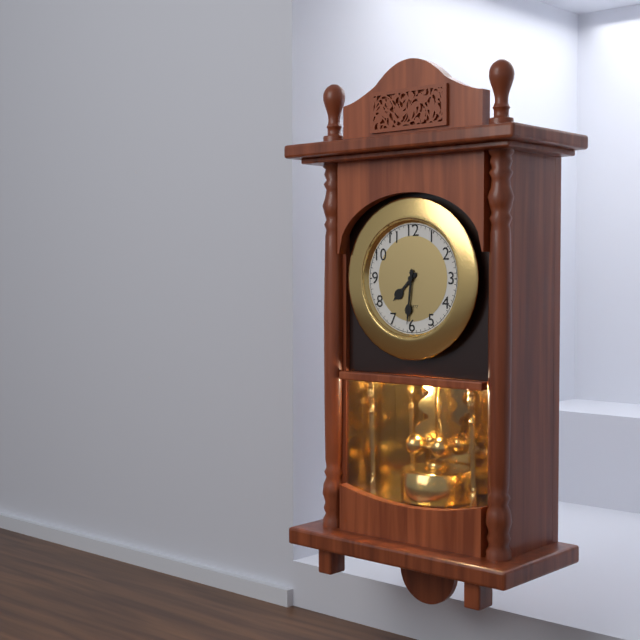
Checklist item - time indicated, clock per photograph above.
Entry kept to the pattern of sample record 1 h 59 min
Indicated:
7 h 31 min
